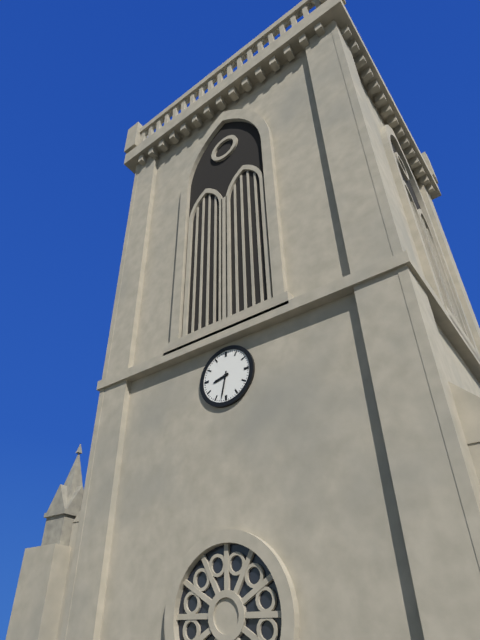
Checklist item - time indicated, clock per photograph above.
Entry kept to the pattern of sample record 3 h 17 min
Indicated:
8 h 32 min
